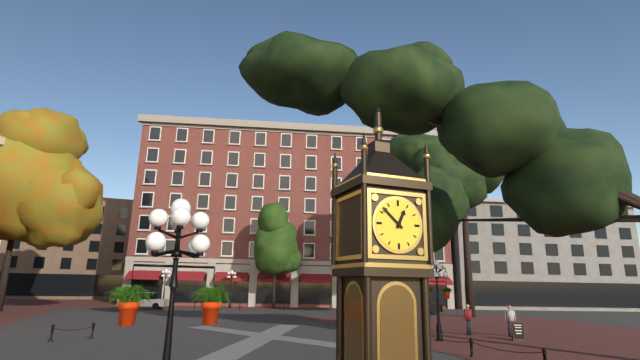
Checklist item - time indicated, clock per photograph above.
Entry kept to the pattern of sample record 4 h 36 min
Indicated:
12 h 52 min
